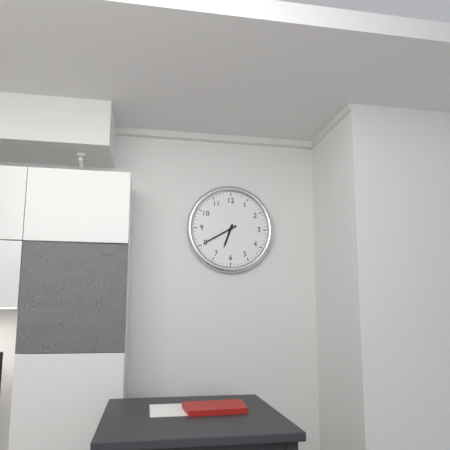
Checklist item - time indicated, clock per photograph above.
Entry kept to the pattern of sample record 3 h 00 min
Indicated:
6 h 40 min
